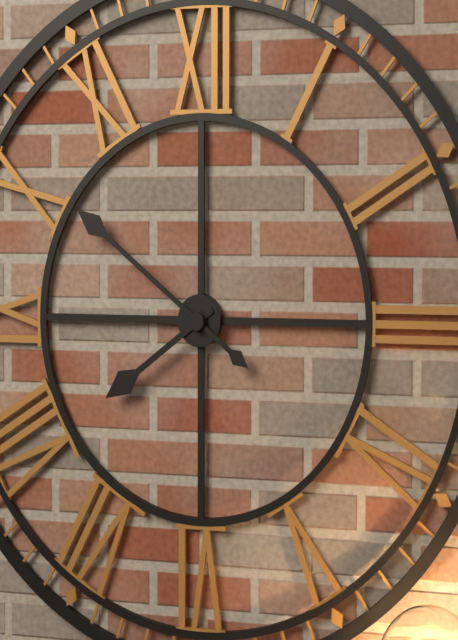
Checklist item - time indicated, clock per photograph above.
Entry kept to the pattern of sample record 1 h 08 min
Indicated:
7 h 51 min
